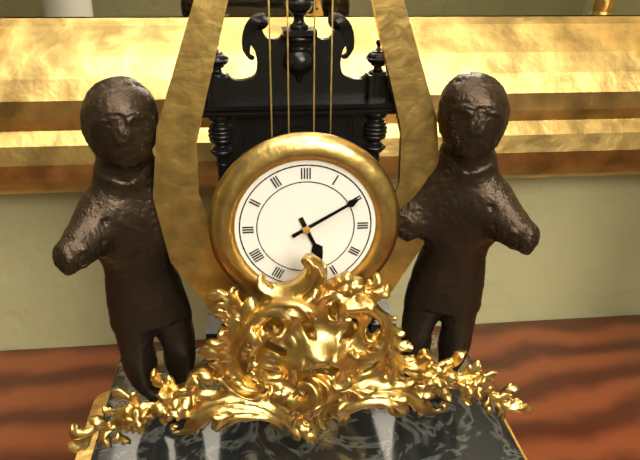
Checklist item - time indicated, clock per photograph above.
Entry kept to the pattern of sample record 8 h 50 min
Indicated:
5 h 10 min
